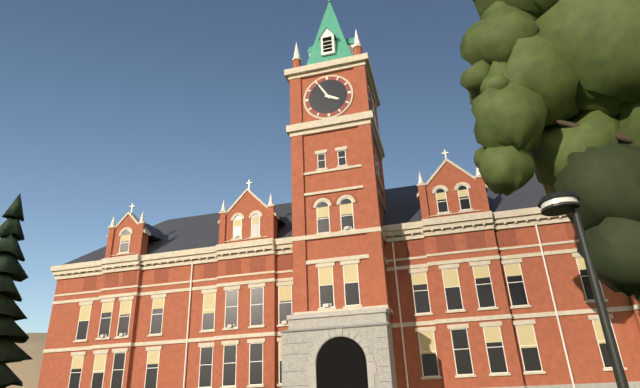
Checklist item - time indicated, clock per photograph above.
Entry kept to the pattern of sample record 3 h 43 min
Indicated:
3 h 55 min
